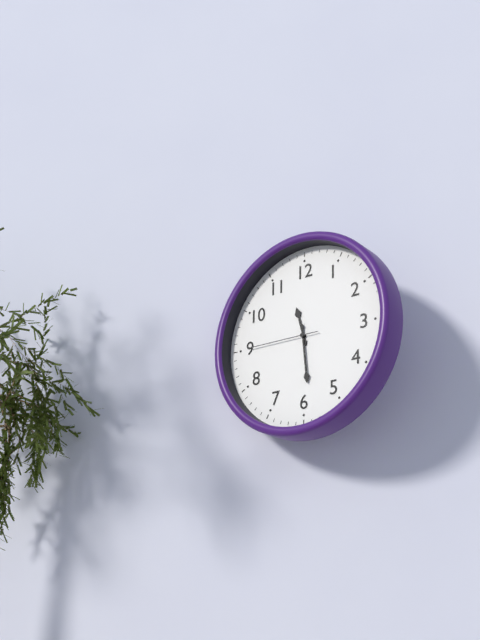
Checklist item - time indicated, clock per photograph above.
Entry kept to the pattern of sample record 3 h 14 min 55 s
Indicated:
11 h 29 min 45 s
